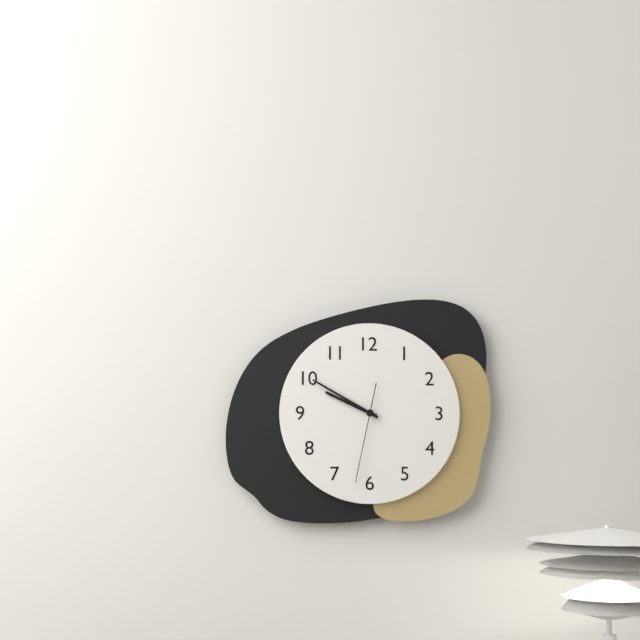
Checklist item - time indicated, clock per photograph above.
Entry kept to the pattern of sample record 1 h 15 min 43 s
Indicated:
9 h 50 min 32 s
